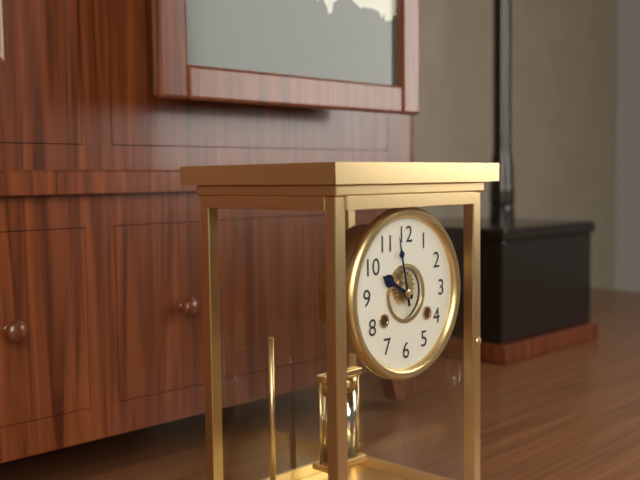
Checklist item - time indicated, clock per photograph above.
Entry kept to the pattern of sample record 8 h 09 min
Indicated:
9 h 58 min
